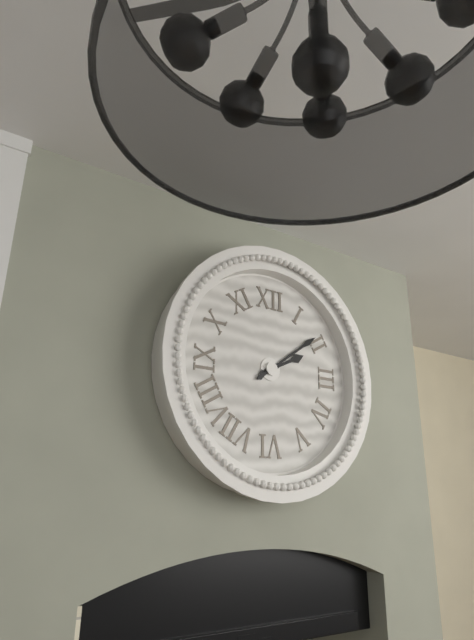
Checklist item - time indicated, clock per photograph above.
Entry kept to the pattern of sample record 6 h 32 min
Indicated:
2 h 09 min
